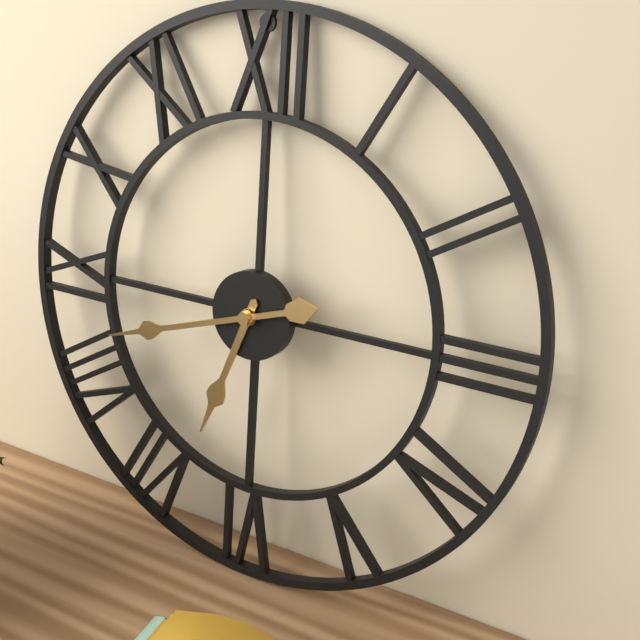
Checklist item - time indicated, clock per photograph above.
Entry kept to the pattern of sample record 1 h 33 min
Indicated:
6 h 42 min
